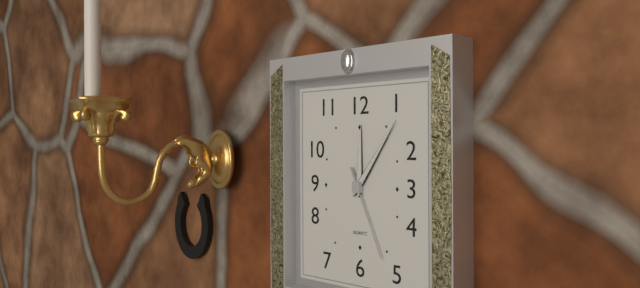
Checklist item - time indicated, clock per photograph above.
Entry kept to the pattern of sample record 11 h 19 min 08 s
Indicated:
12 h 06 min 26 s
